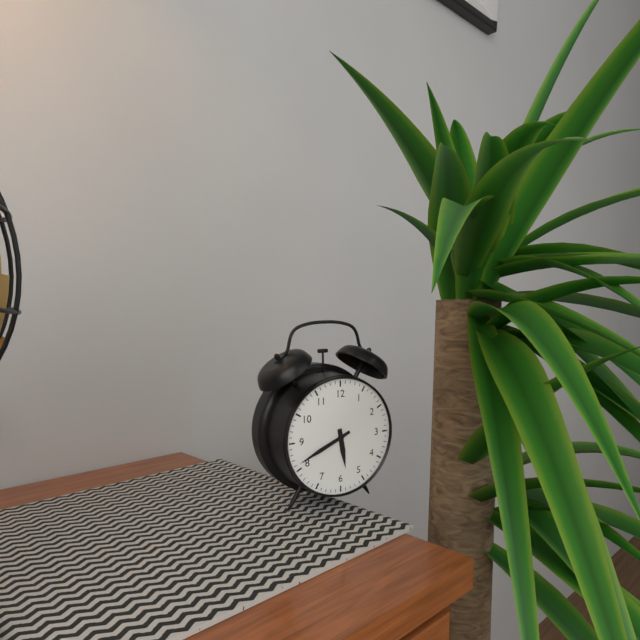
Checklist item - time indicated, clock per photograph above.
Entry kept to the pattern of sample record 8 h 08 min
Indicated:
5 h 41 min
